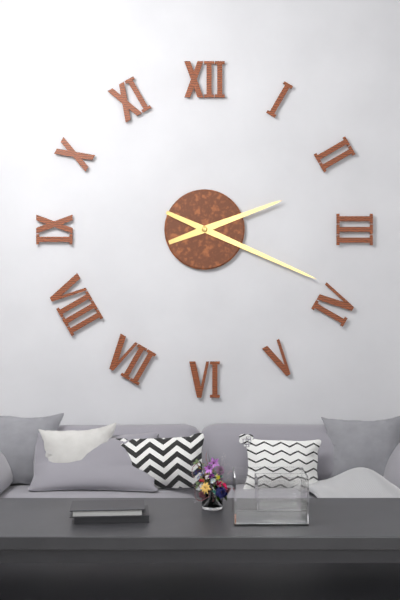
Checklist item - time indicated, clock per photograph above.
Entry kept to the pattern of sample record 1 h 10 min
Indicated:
2 h 19 min
